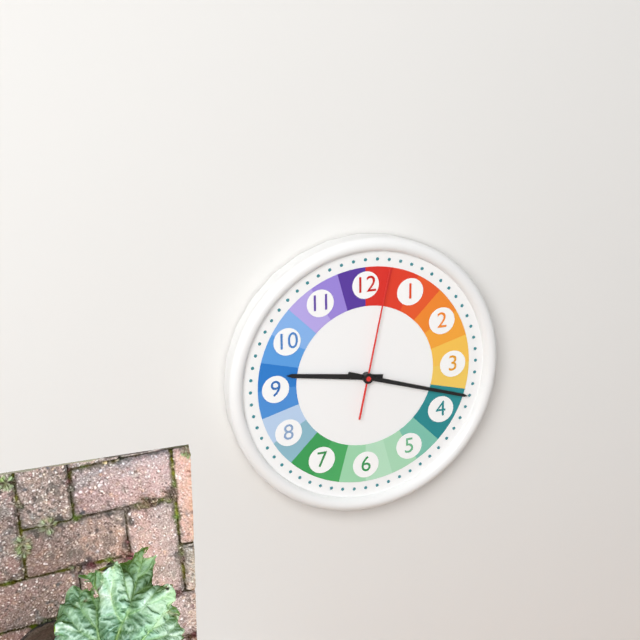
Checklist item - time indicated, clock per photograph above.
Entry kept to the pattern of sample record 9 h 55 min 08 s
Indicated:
9 h 18 min 02 s
